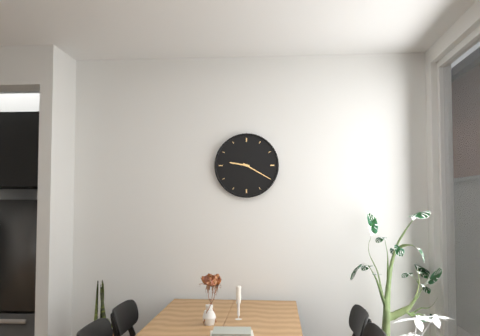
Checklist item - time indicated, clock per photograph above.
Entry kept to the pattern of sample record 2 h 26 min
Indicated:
9 h 20 min
